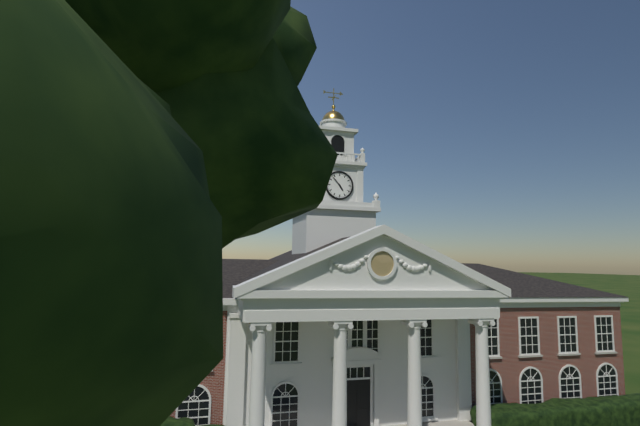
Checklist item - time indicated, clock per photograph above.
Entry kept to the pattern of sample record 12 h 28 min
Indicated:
4 h 53 min
